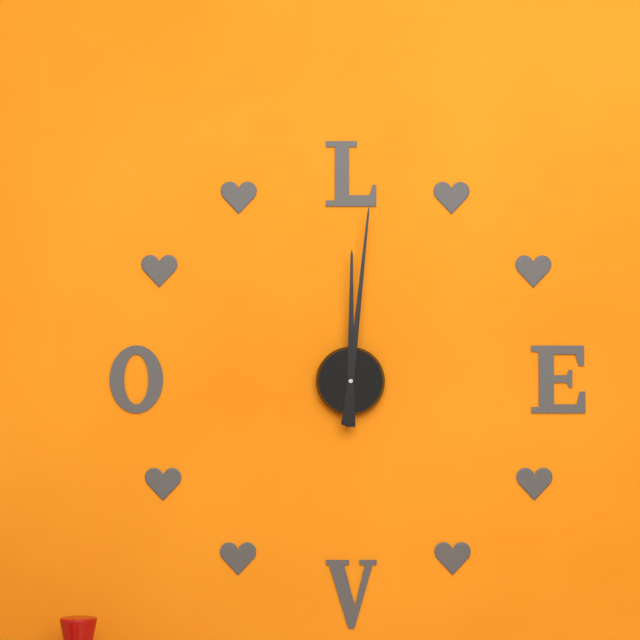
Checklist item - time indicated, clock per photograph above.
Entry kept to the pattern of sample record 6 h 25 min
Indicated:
12 h 01 min
